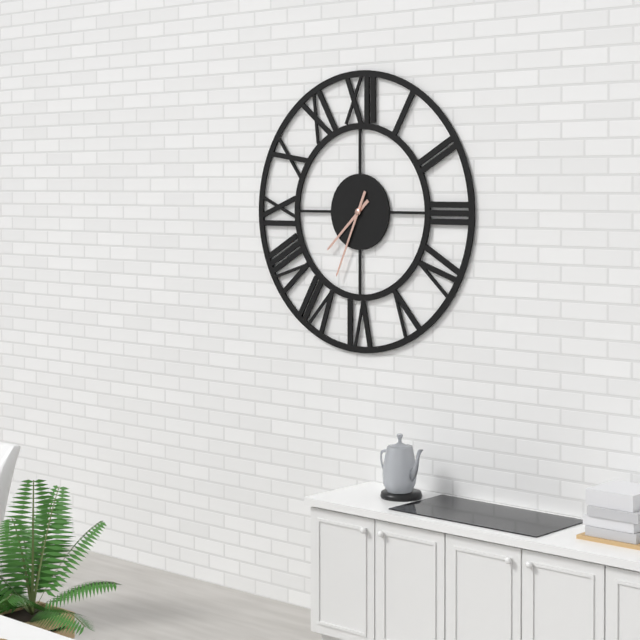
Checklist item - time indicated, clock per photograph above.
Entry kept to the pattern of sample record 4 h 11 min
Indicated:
7 h 34 min
